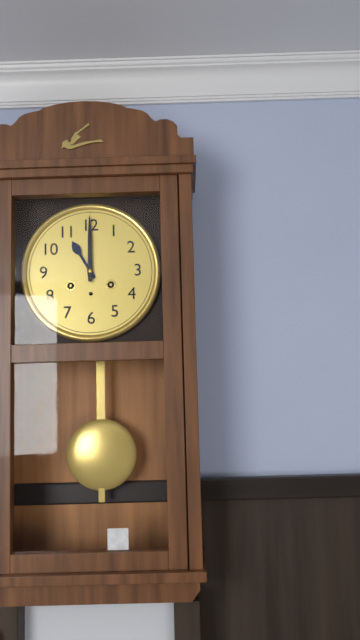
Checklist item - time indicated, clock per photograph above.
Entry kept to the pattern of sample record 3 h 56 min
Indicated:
11 h 00 min
